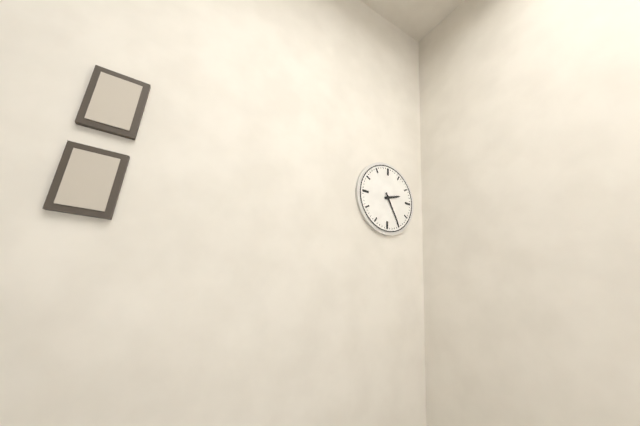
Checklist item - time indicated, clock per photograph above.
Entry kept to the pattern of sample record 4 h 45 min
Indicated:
2 h 25 min
